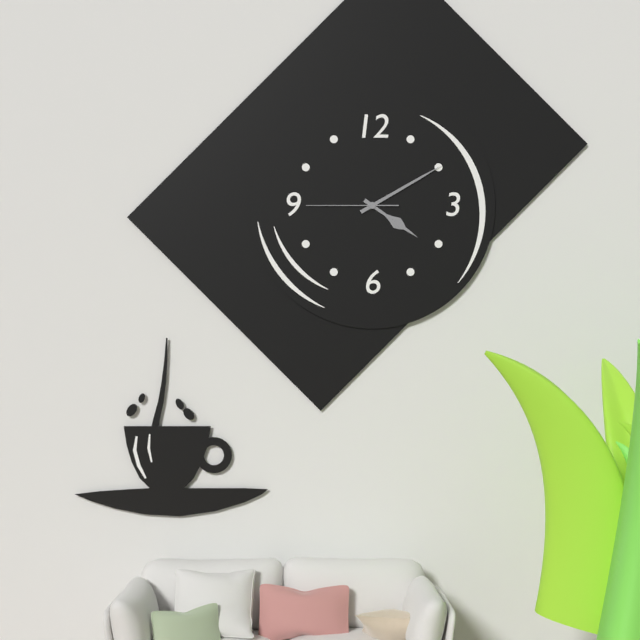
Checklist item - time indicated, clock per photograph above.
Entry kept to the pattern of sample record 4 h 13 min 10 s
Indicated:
4 h 10 min 45 s
